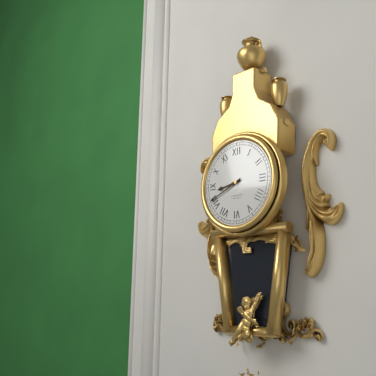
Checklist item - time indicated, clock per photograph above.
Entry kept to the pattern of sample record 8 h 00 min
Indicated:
8 h 41 min
